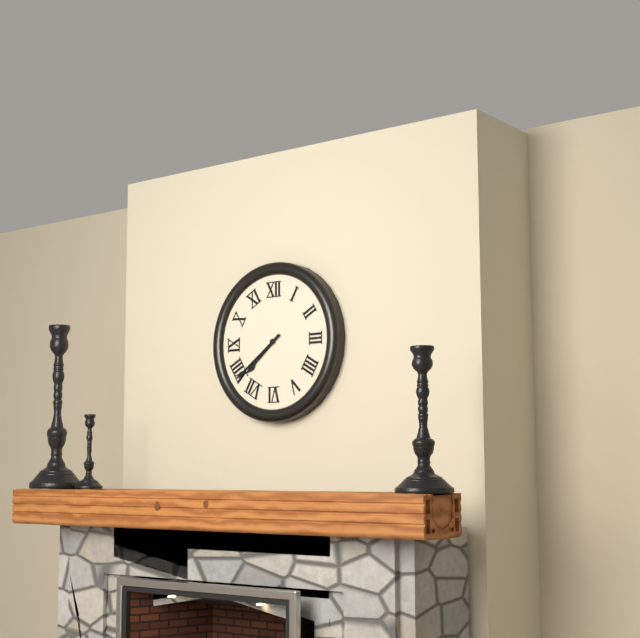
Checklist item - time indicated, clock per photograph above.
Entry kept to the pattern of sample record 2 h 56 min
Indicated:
7 h 39 min
